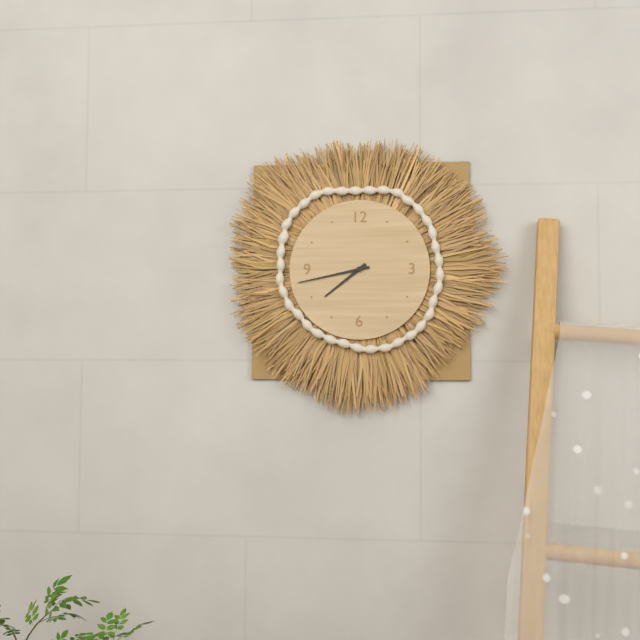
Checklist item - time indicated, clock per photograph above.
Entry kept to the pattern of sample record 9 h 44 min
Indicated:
7 h 43 min
